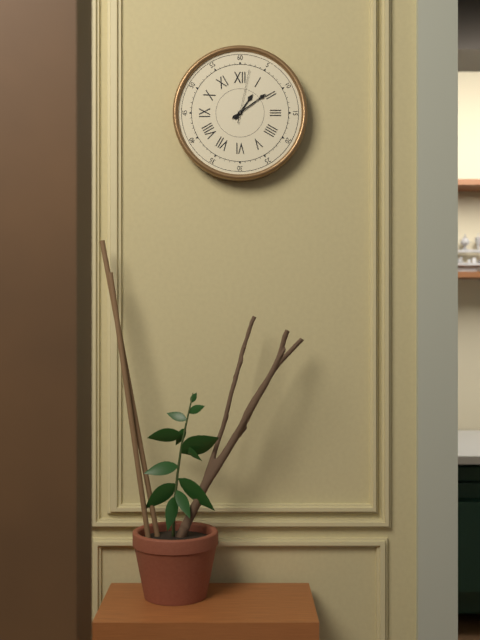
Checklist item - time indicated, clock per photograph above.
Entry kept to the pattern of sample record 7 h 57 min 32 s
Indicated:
1 h 09 min 02 s
